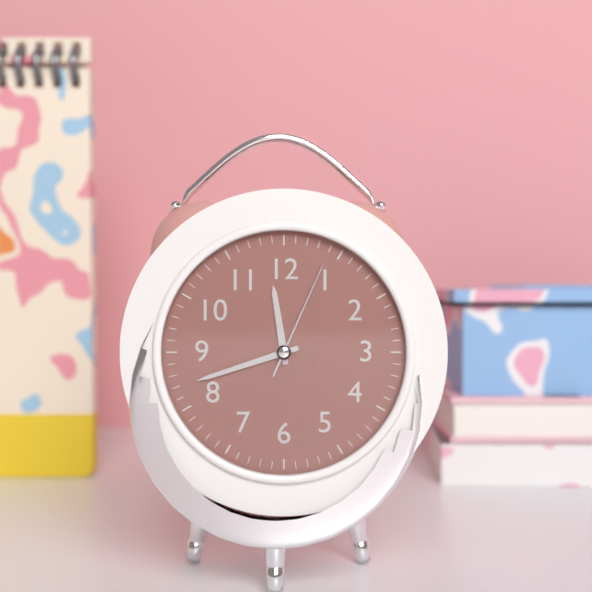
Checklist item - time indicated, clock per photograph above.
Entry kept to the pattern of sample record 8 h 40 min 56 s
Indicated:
11 h 42 min 04 s
